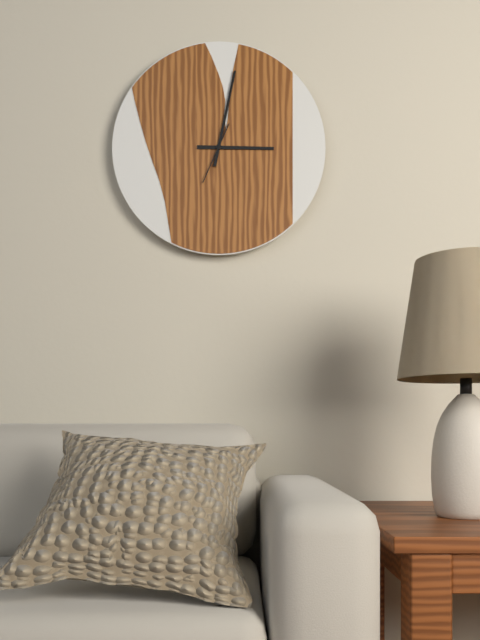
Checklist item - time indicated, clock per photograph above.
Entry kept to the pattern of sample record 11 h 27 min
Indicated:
3 h 02 min
